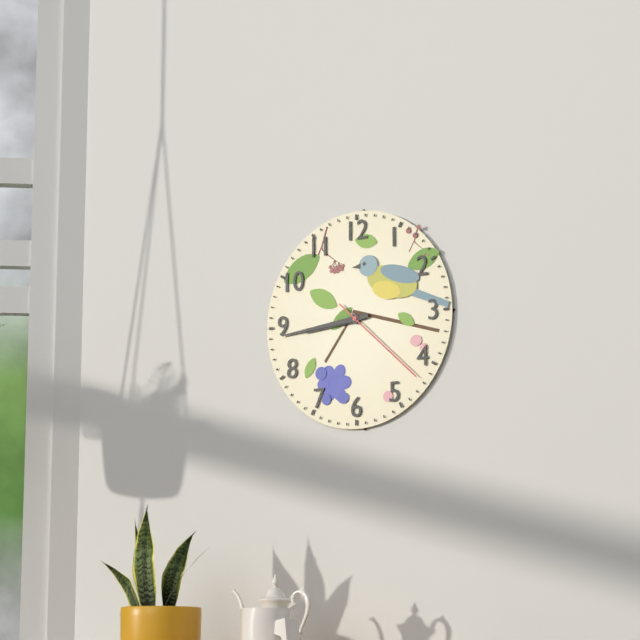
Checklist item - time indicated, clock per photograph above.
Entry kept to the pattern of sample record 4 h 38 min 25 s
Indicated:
8 h 44 min 22 s
